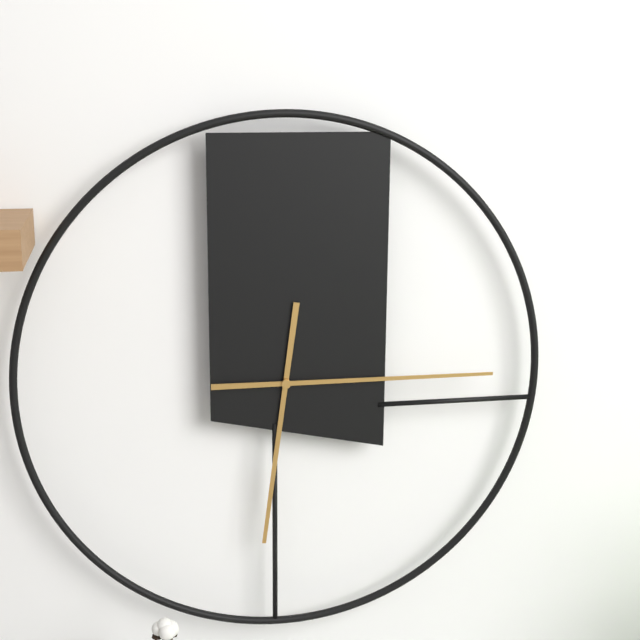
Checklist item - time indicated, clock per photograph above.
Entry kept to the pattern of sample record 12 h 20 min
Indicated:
6 h 15 min
